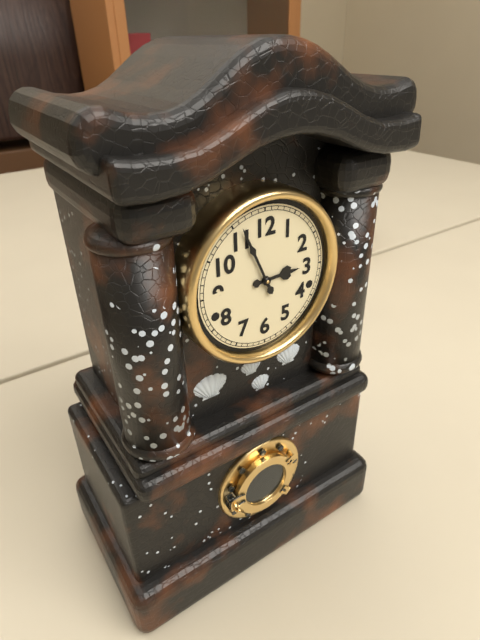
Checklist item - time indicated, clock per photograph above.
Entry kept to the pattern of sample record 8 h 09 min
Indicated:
2 h 56 min
